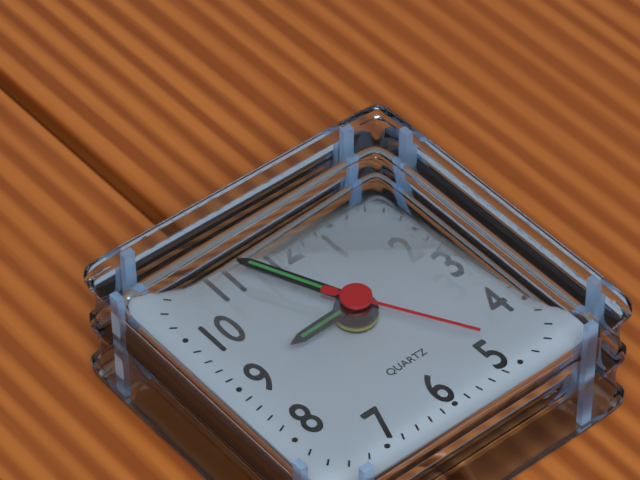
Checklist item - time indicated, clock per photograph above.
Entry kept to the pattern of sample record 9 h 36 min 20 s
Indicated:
8 h 56 min 25 s
